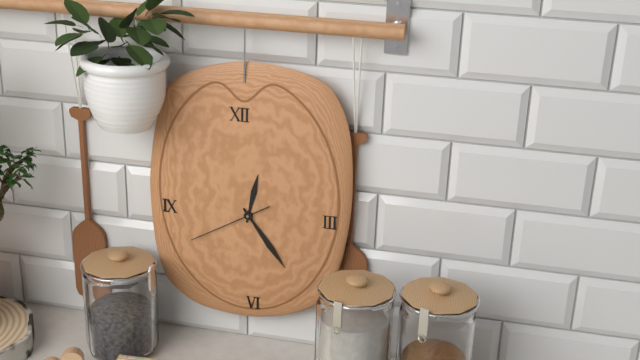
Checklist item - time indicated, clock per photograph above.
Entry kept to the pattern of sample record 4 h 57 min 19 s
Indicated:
12 h 24 min 40 s
